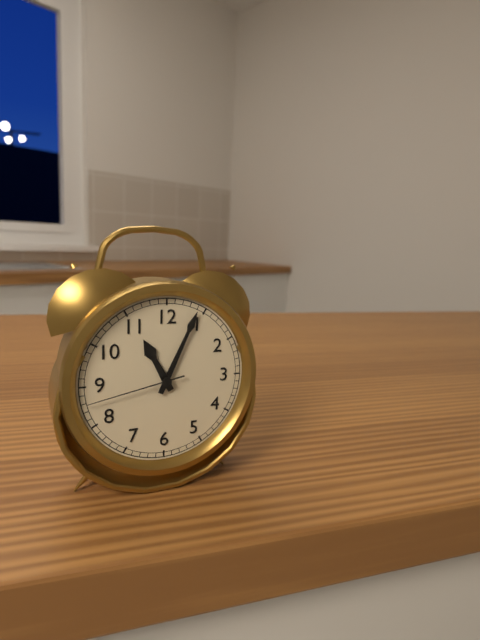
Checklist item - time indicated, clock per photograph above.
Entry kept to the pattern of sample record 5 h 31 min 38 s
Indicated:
11 h 04 min 43 s
